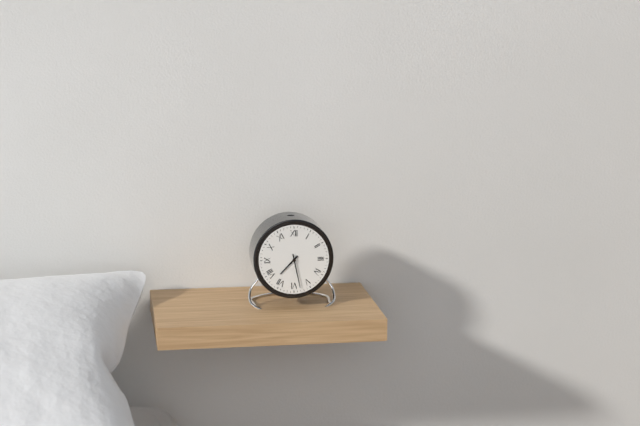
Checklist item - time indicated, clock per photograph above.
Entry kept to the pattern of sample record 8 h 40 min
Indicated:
7 h 28 min
